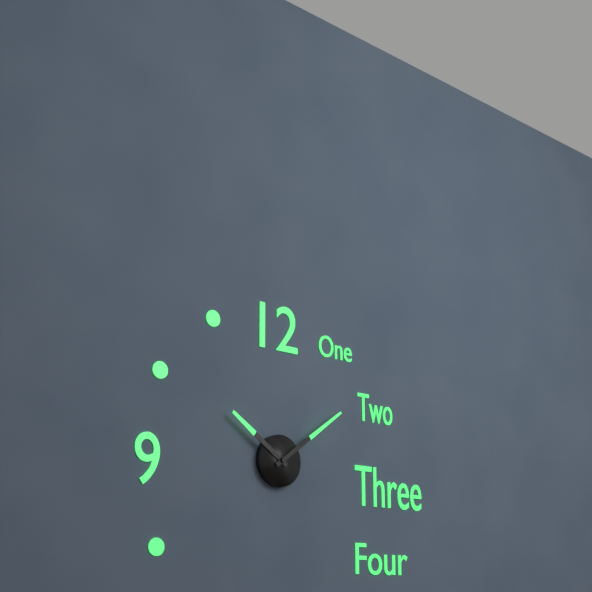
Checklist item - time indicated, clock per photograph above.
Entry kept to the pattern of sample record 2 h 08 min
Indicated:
10 h 09 min
